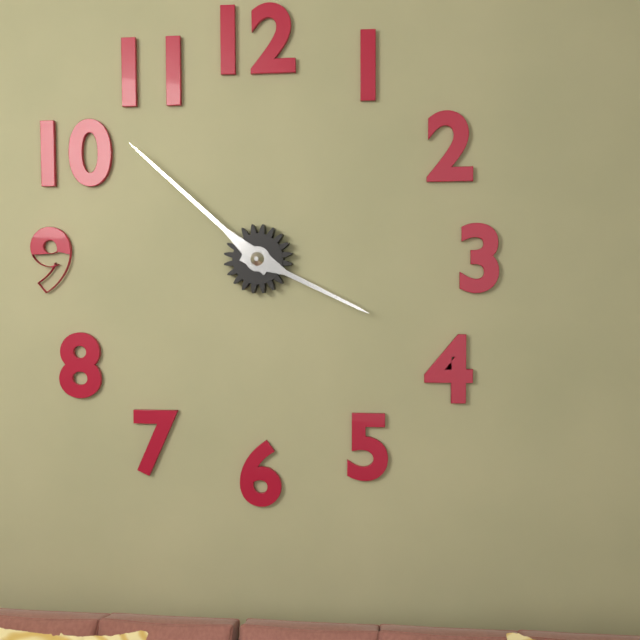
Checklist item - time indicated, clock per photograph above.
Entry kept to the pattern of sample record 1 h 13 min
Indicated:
3 h 52 min
